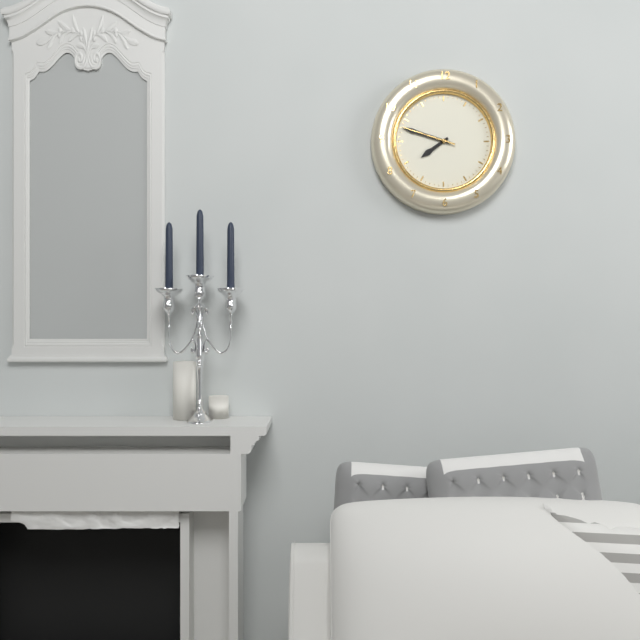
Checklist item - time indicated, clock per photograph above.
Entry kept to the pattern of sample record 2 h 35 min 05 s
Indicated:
7 h 48 min 48 s
